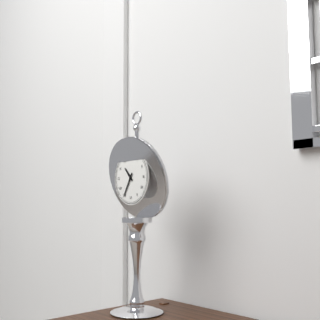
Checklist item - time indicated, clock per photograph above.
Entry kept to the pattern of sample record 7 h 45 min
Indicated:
10 h 35 min
